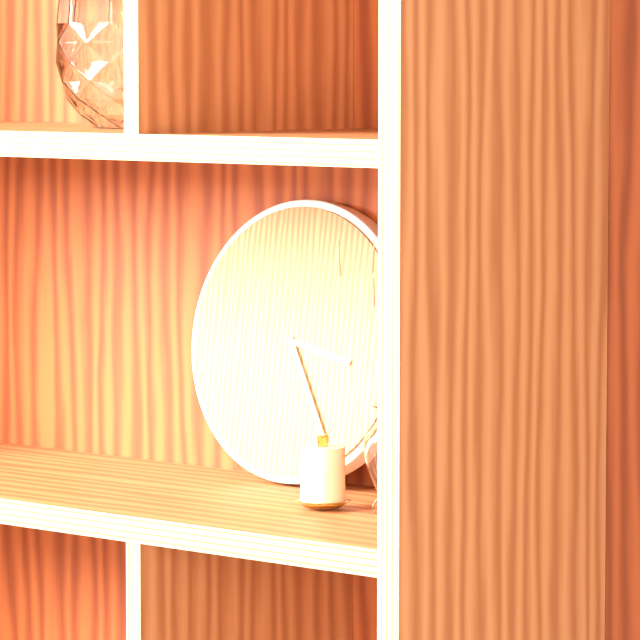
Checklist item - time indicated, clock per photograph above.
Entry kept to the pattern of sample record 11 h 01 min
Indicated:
3 h 25 min
